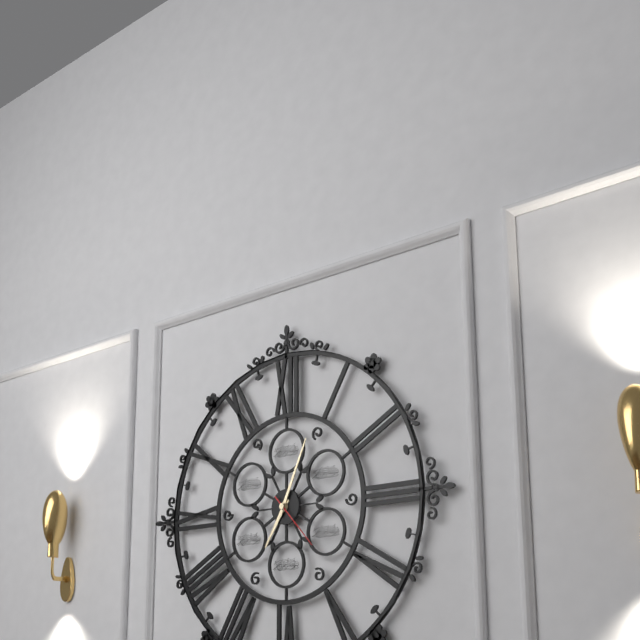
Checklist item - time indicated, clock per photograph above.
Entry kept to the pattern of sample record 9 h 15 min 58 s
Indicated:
7 h 04 min 23 s
